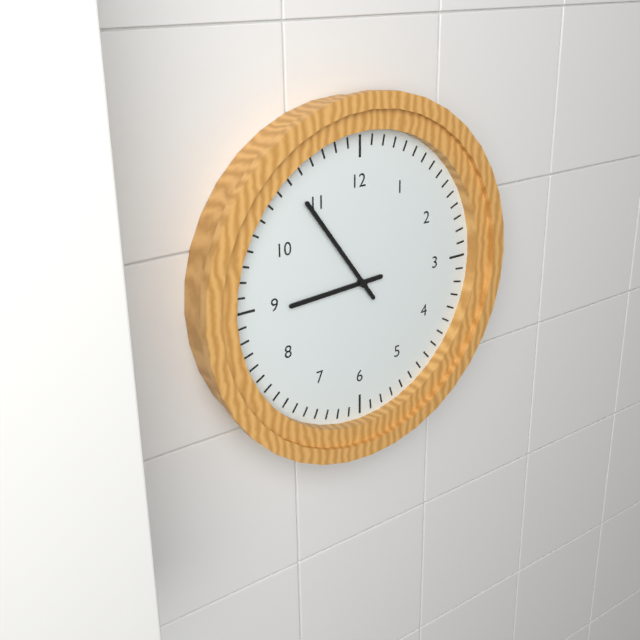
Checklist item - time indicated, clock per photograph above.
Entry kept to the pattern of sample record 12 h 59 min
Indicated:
8 h 54 min
